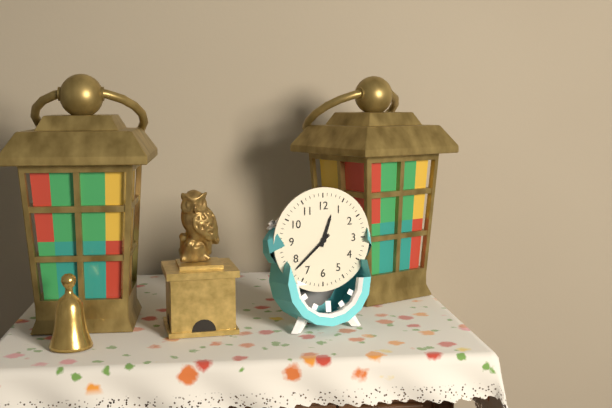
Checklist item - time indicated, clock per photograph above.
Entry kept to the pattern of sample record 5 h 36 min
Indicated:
12 h 38 min
